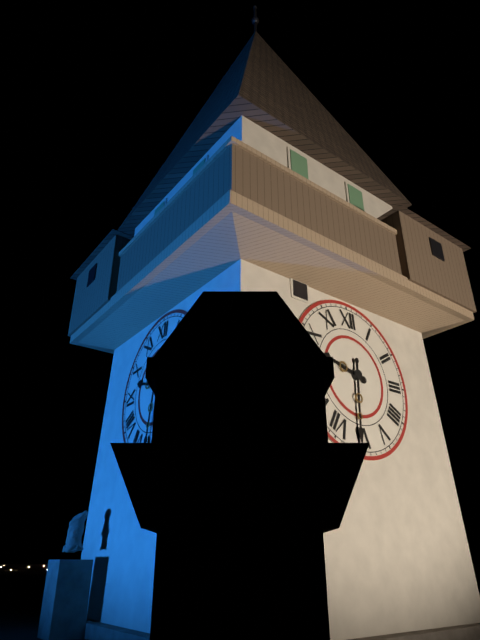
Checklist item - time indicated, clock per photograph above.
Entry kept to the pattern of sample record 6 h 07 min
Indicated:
9 h 31 min
